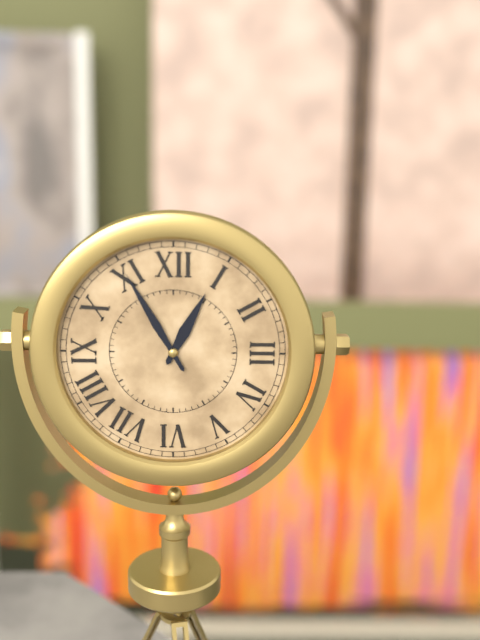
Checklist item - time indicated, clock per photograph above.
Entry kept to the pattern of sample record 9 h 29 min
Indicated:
12 h 55 min
